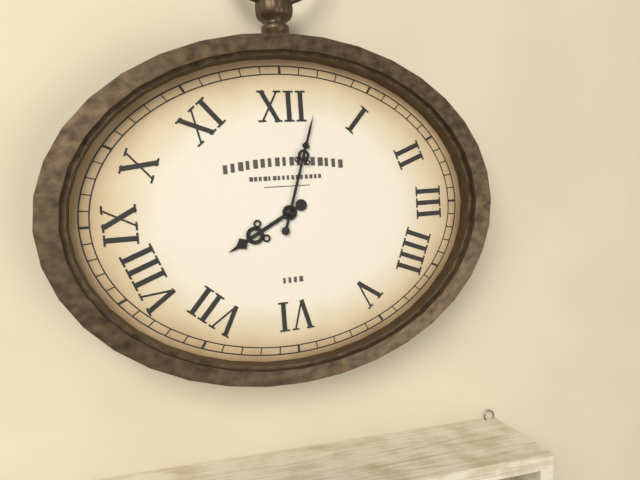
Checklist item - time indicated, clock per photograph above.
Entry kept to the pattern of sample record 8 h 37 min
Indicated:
8 h 03 min
